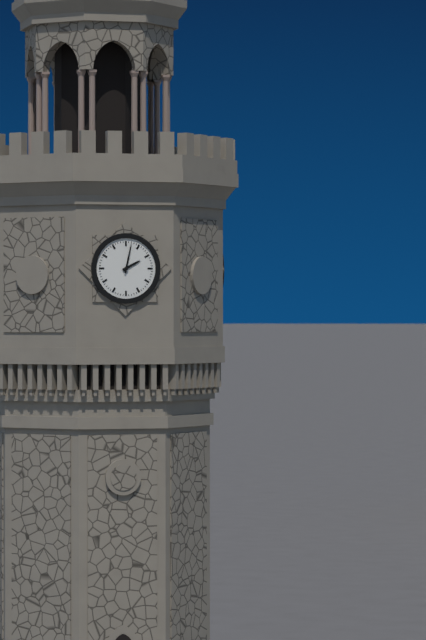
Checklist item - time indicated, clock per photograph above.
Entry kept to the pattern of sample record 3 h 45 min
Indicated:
2 h 02 min
